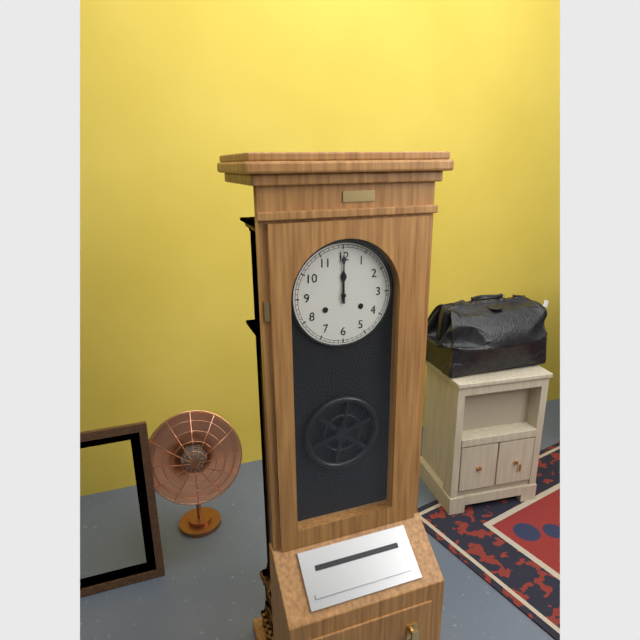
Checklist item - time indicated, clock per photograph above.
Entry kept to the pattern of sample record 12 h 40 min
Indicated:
12 h 00 min
